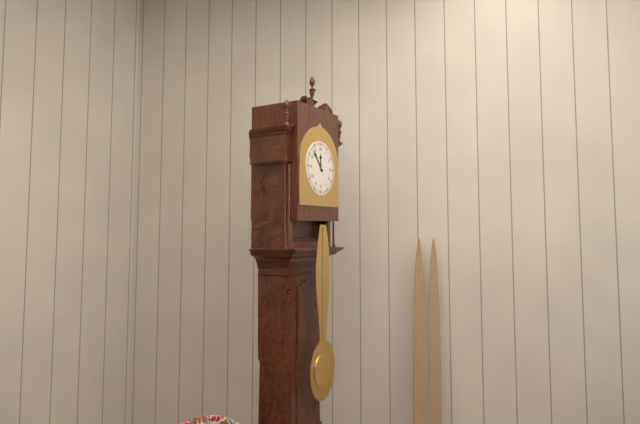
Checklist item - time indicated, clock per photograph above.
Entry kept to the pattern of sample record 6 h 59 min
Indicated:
11 h 53 min
